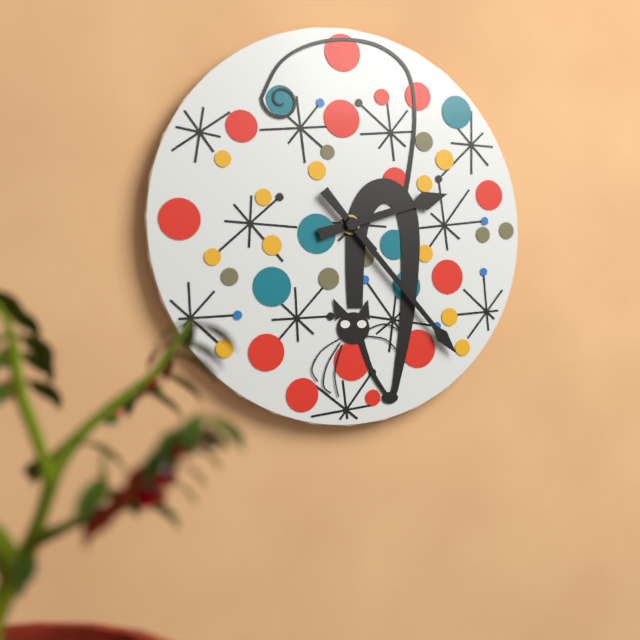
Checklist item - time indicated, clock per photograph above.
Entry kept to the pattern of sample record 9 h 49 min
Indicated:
2 h 23 min
